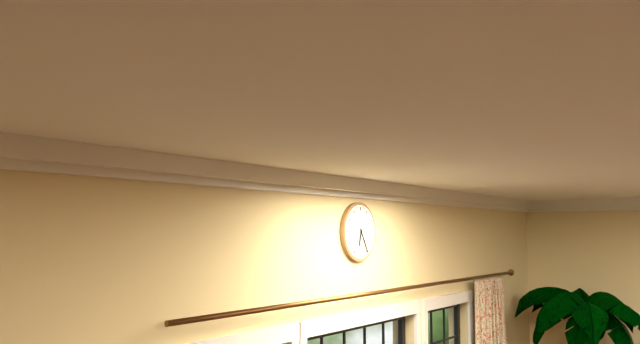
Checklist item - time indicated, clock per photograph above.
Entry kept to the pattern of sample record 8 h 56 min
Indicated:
6 h 25 min
